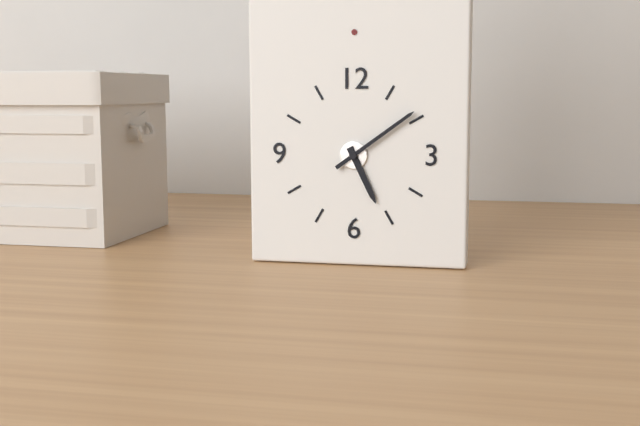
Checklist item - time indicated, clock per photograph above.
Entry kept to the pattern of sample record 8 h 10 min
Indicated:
5 h 09 min
